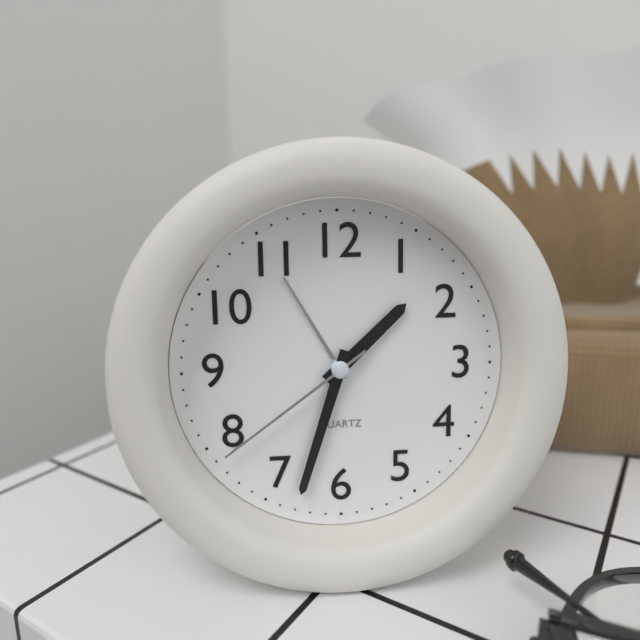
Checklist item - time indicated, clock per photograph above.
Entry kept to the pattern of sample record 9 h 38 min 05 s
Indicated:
1 h 33 min 39 s
